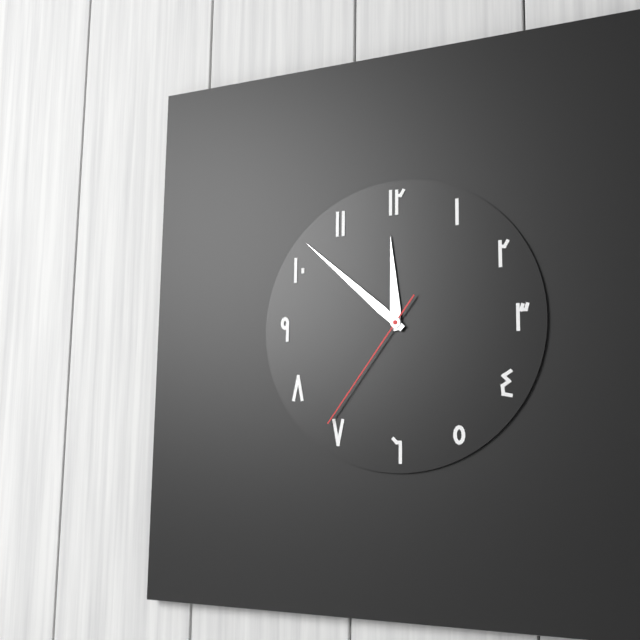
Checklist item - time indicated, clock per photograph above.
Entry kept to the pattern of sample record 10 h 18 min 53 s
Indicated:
11 h 52 min 36 s
